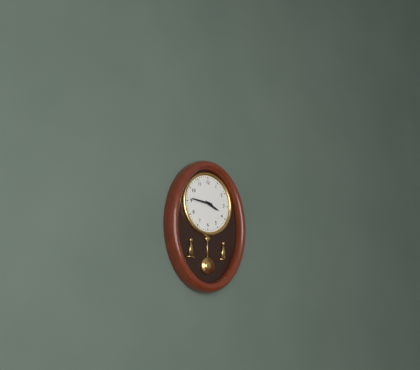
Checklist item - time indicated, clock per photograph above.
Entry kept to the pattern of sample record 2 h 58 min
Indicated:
3 h 46 min
